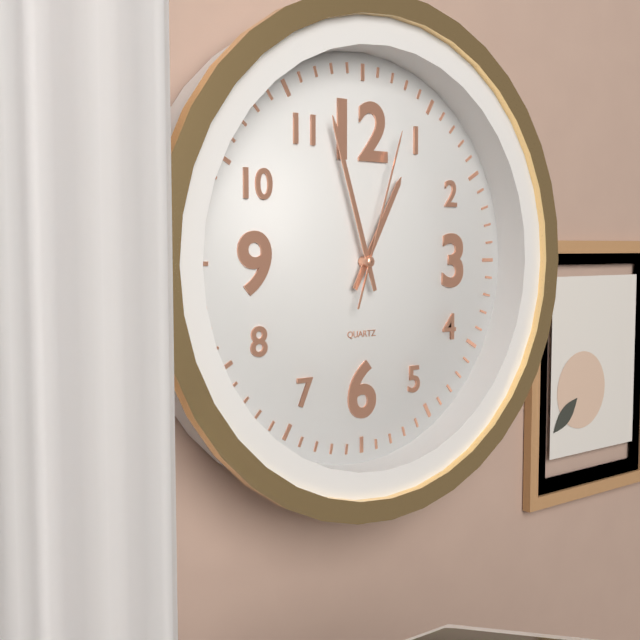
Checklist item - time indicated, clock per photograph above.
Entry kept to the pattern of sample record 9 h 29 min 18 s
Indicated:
12 h 57 min 03 s
